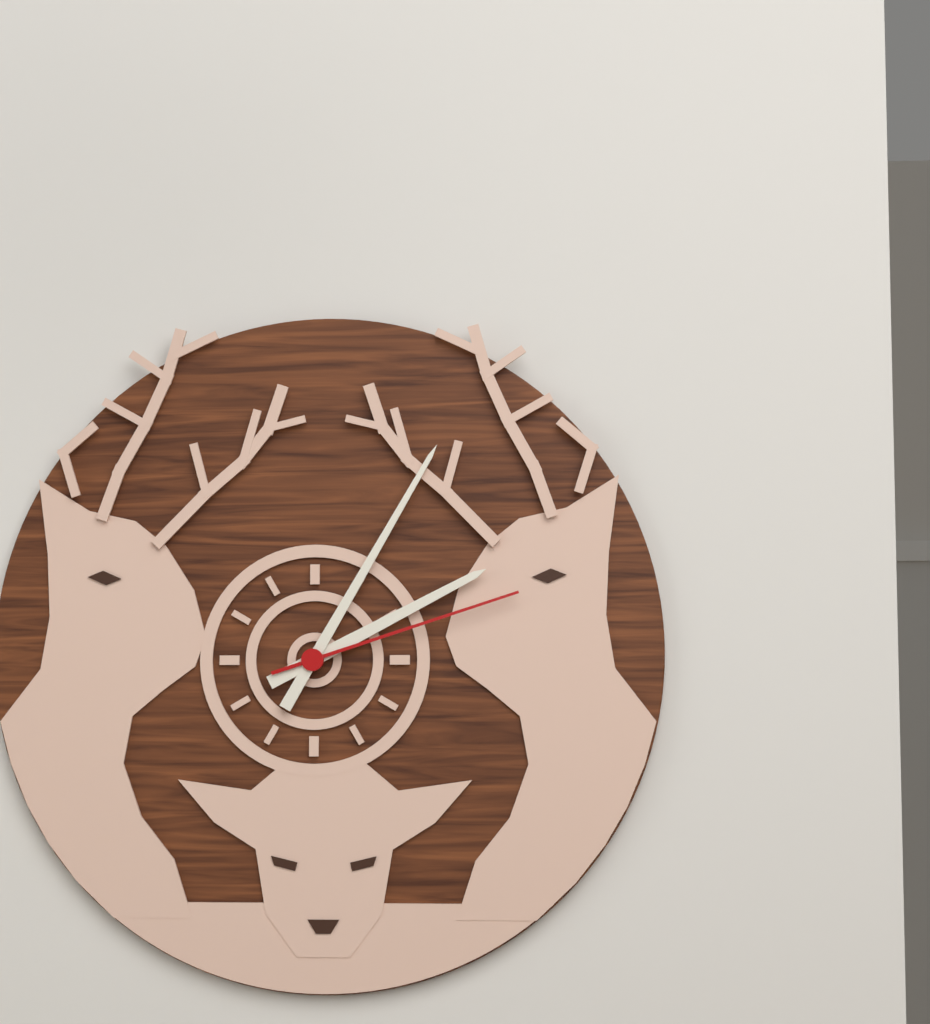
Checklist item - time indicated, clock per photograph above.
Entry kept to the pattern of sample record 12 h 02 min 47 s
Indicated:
2 h 05 min 12 s
